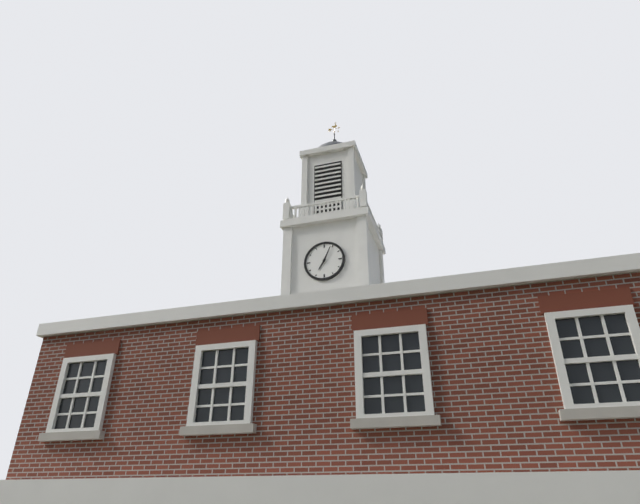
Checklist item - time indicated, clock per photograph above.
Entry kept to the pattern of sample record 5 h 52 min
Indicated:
7 h 04 min
